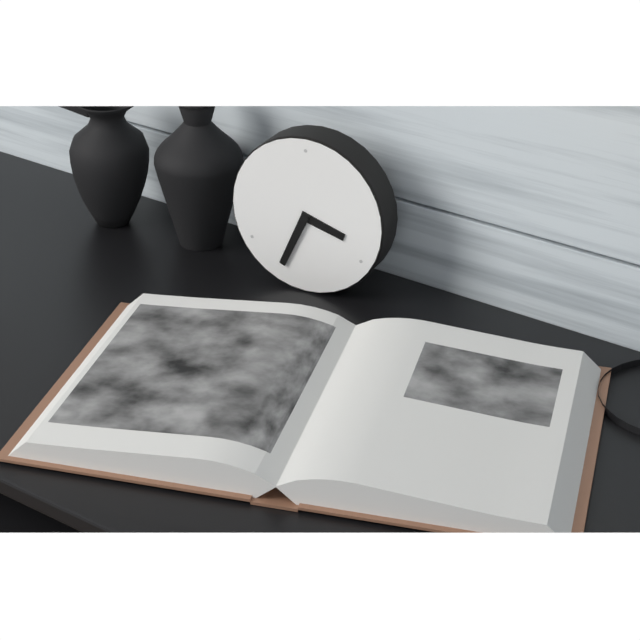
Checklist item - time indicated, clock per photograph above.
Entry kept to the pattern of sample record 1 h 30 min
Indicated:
3 h 34 min
